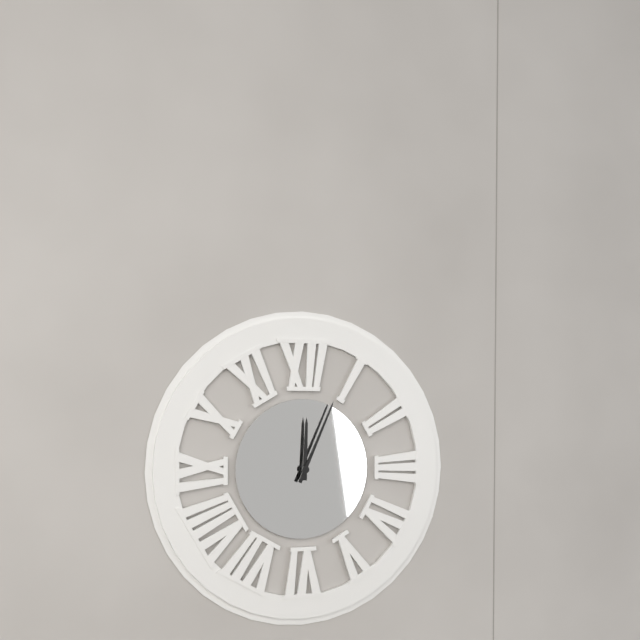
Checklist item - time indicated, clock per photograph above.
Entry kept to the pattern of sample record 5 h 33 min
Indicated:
12 h 04 min
